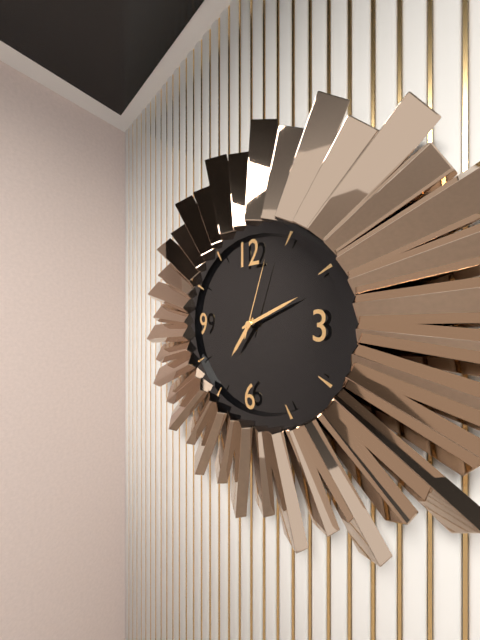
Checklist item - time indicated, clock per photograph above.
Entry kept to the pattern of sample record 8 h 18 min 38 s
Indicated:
7 h 11 min 03 s
